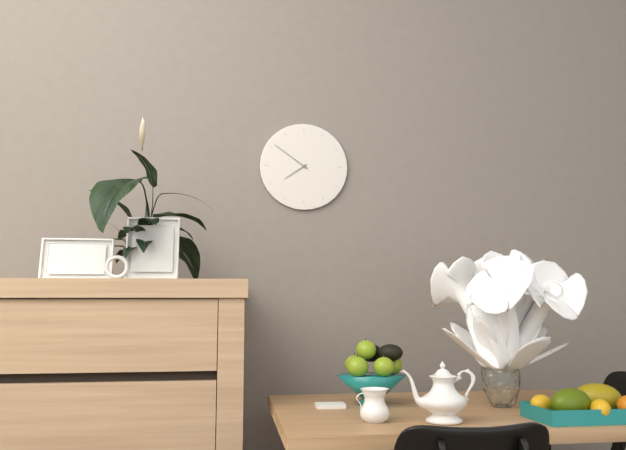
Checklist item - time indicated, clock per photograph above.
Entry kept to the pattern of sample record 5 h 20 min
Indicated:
7 h 51 min
